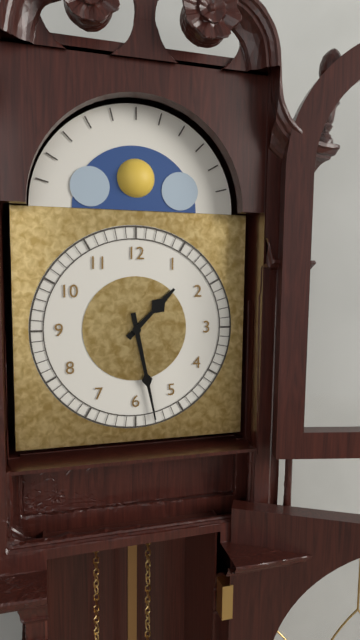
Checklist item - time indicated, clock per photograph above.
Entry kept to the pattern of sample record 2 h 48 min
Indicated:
1 h 28 min
